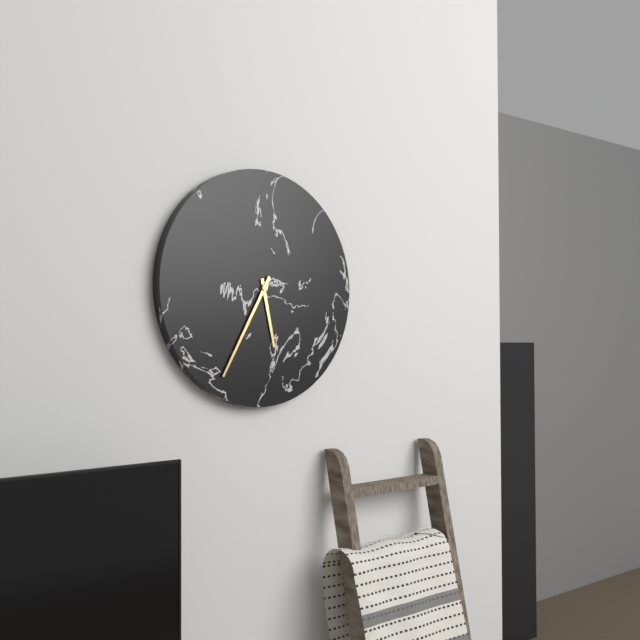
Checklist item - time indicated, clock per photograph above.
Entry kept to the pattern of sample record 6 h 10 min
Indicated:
5 h 35 min
